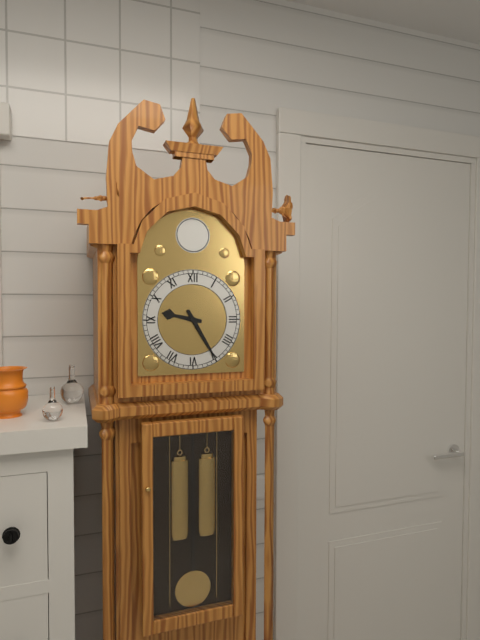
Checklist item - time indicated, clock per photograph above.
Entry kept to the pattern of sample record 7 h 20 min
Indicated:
9 h 25 min
